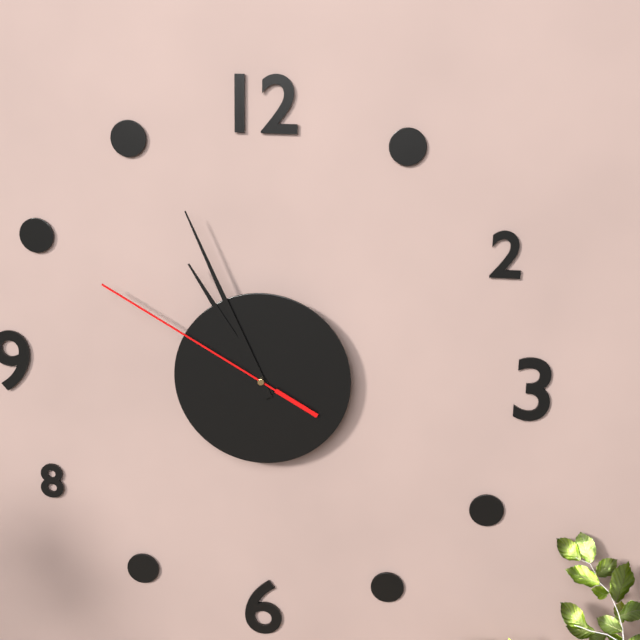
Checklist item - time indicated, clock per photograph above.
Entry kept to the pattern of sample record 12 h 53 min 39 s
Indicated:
10 h 56 min 50 s
